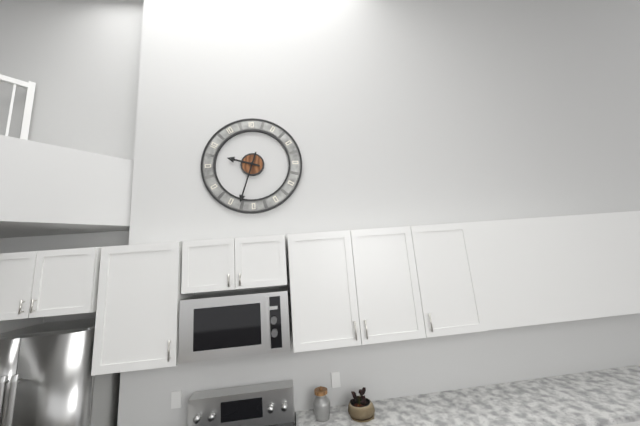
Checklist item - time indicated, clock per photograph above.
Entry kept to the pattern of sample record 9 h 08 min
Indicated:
9 h 33 min
